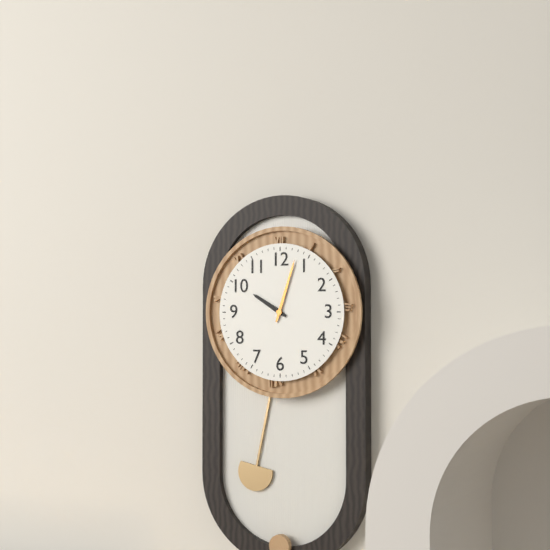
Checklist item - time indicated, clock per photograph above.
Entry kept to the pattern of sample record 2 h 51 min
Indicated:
10 h 03 min
